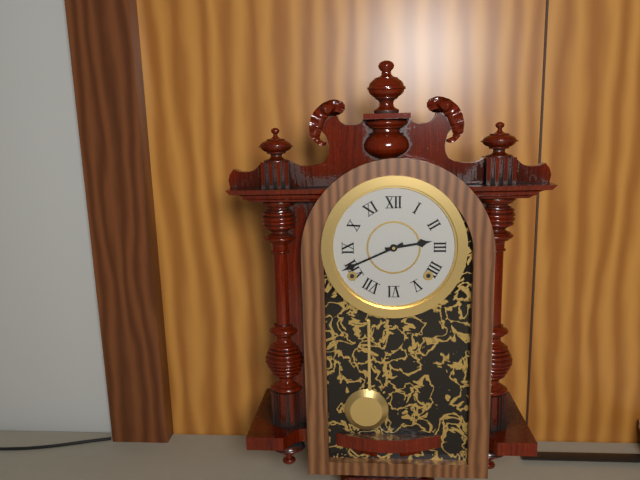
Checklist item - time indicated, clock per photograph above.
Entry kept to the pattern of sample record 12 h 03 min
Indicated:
2 h 41 min
